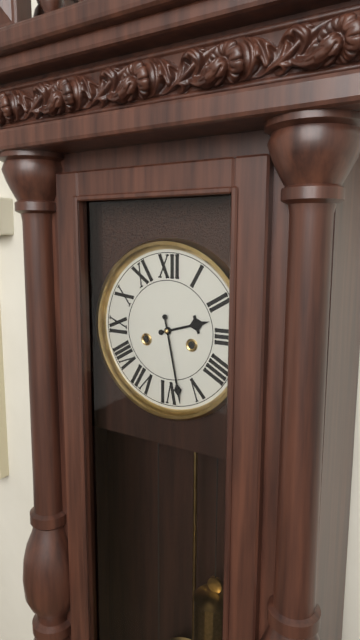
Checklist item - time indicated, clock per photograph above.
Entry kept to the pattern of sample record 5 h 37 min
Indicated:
2 h 28 min
